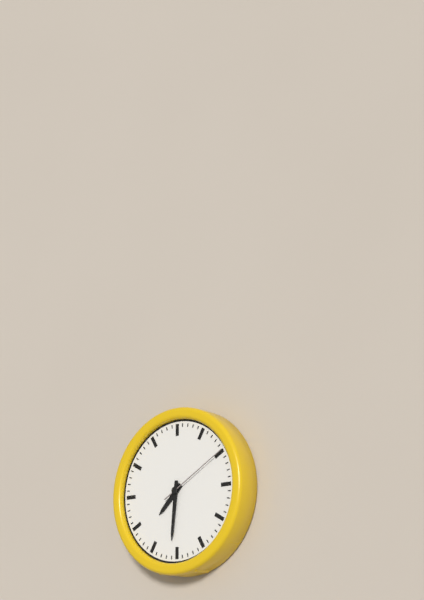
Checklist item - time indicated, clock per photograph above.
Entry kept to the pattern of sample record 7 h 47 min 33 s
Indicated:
7 h 31 min 10 s
